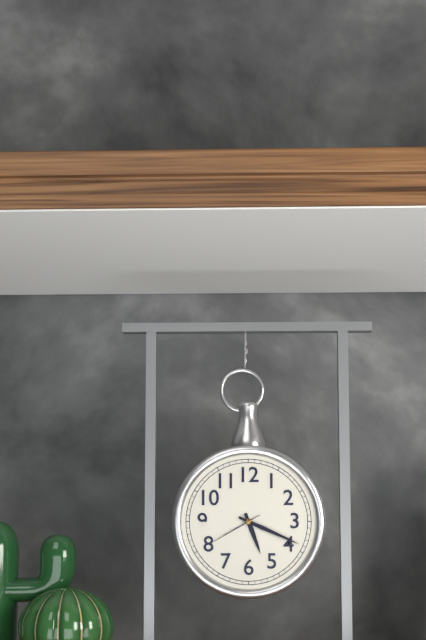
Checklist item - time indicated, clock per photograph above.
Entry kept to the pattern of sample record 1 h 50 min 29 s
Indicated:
5 h 19 min 40 s
